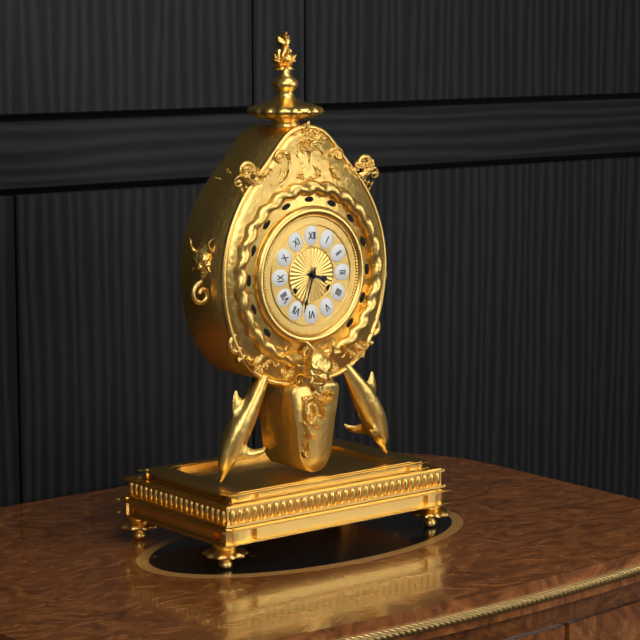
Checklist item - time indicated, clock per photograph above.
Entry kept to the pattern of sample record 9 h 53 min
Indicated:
3 h 33 min
